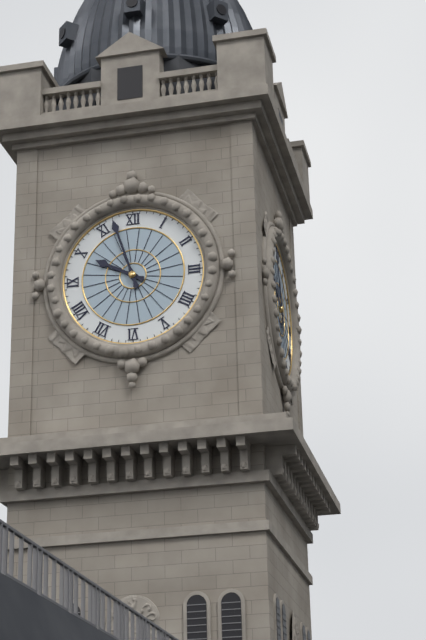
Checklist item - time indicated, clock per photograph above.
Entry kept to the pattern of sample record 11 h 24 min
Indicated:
9 h 57 min
